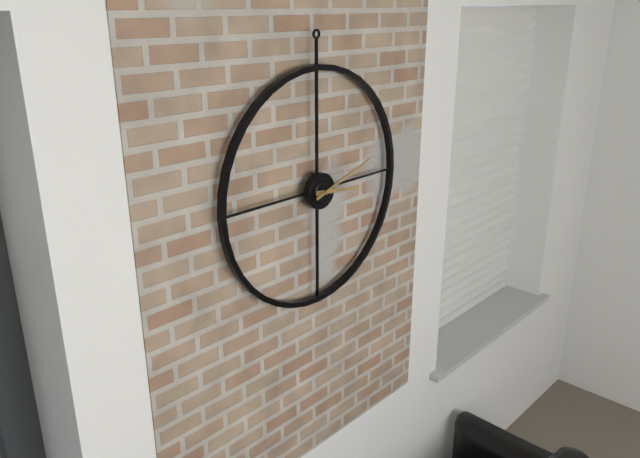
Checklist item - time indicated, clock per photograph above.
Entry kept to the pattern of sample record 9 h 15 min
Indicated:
3 h 12 min
